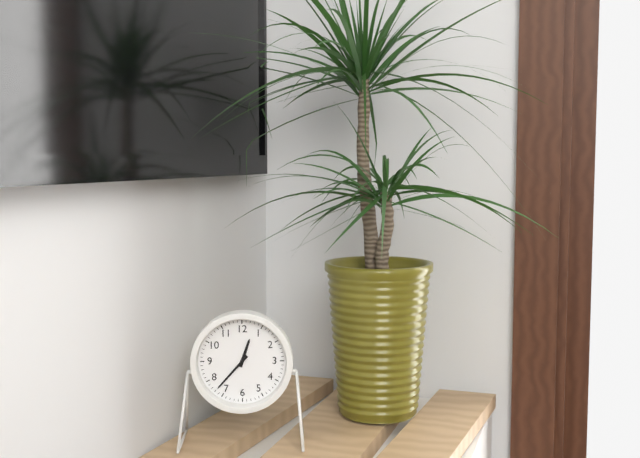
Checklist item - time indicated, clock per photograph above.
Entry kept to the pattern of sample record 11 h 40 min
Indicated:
12 h 37 min
